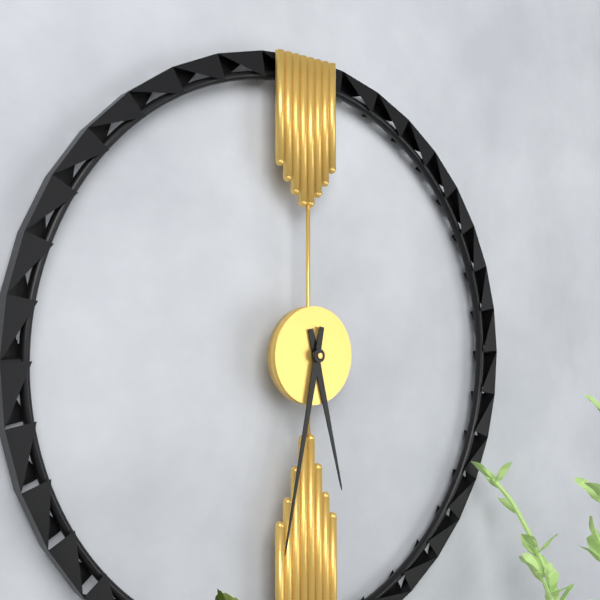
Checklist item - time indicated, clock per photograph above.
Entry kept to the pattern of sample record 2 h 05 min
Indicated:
5 h 32 min
